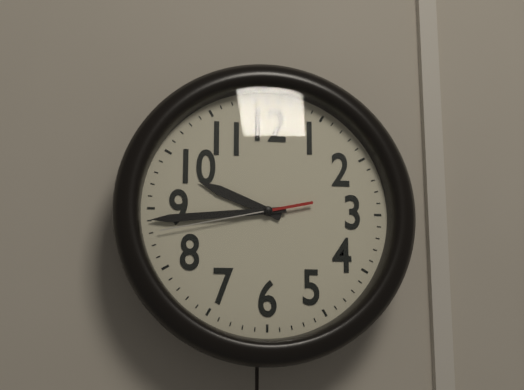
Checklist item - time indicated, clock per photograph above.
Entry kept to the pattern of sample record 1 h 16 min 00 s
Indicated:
9 h 44 min 43 s
